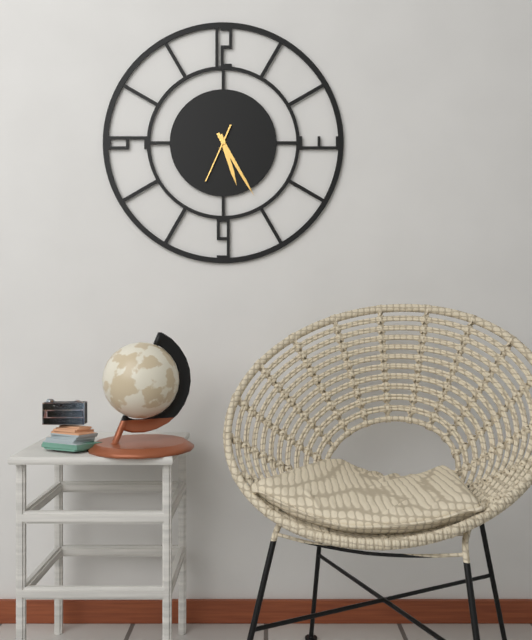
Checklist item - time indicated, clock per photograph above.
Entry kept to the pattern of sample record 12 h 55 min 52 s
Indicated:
5 h 25 min 34 s
